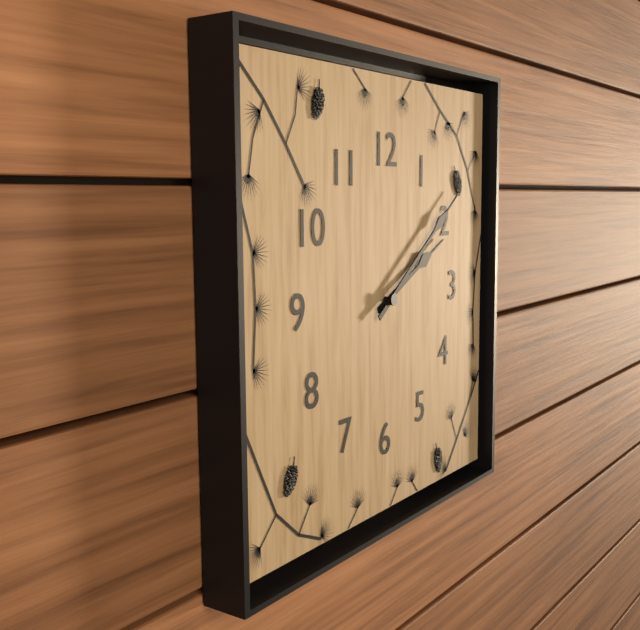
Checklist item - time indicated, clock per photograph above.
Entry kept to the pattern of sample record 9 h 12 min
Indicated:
2 h 09 min
